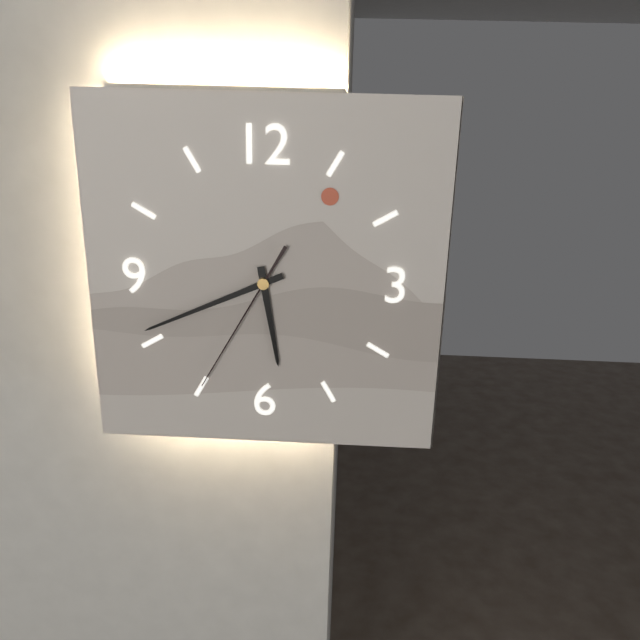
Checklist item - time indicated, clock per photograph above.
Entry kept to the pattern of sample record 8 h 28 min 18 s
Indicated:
5 h 41 min 35 s
